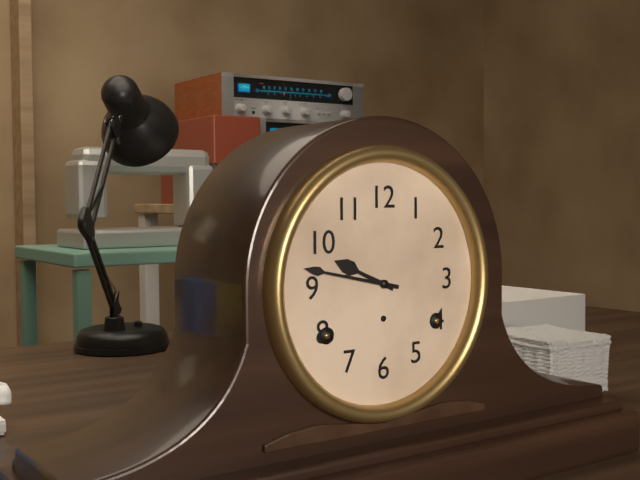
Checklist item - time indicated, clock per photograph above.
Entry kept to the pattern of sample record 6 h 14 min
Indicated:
9 h 47 min
